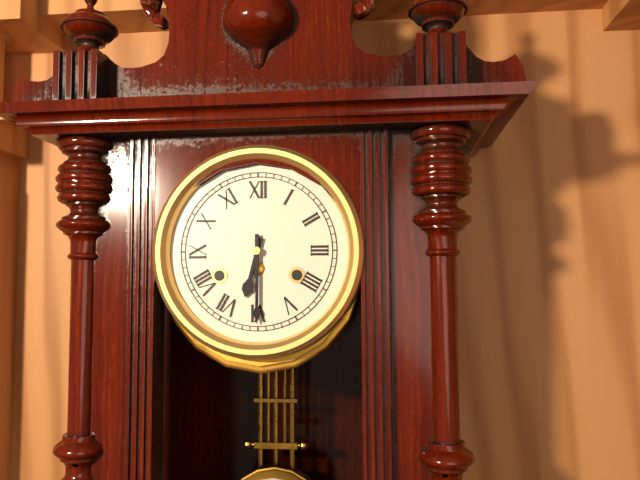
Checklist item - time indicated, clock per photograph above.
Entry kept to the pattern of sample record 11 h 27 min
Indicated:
6 h 30 min
